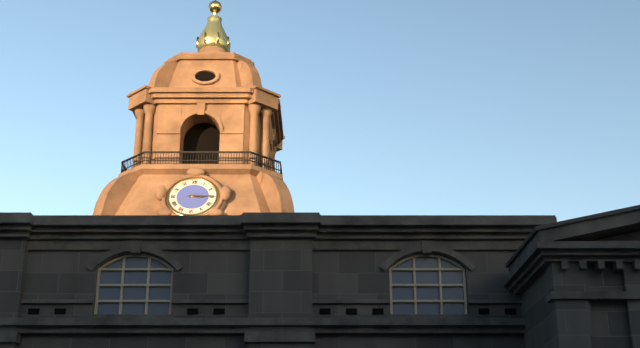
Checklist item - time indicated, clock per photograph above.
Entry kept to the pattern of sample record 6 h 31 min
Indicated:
3 h 15 min
